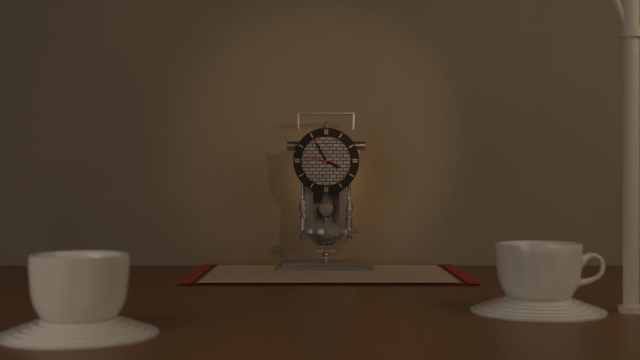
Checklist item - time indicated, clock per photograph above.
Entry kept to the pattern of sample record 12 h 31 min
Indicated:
3 h 55 min
